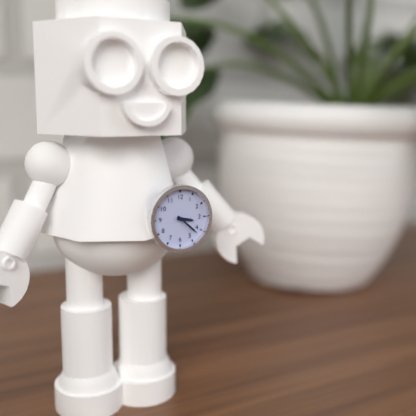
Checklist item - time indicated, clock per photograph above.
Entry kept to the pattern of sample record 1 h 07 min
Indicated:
3 h 22 min
